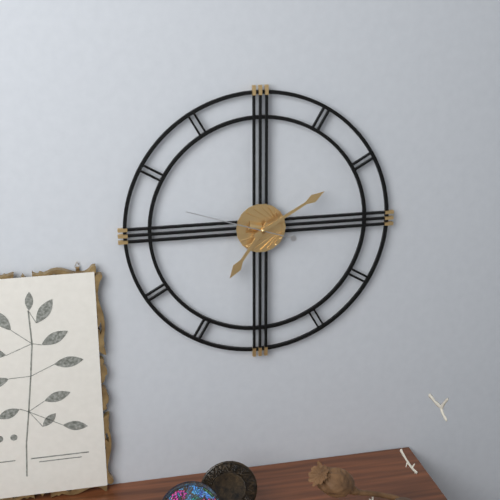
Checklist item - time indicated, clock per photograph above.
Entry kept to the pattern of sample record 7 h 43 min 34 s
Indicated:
7 h 10 min 48 s
